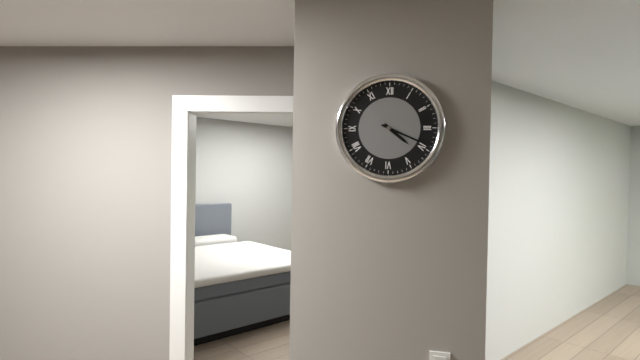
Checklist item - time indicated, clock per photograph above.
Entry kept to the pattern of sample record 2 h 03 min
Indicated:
4 h 19 min
